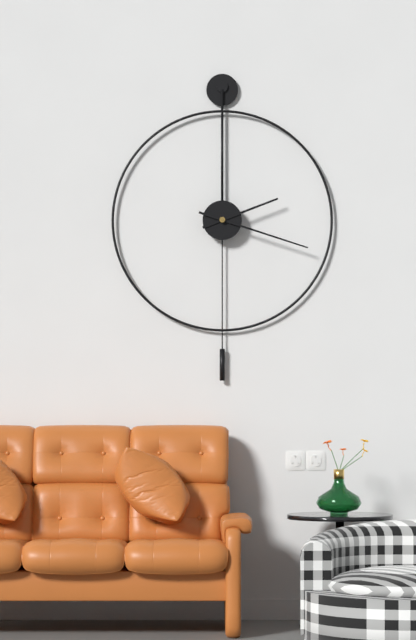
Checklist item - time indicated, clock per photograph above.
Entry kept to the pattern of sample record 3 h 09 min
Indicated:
2 h 18 min
